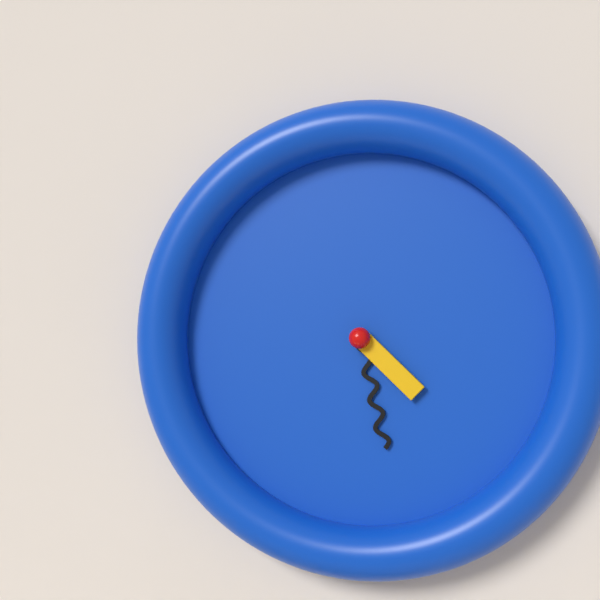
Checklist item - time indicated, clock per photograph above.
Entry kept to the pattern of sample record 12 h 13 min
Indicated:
4 h 28 min
